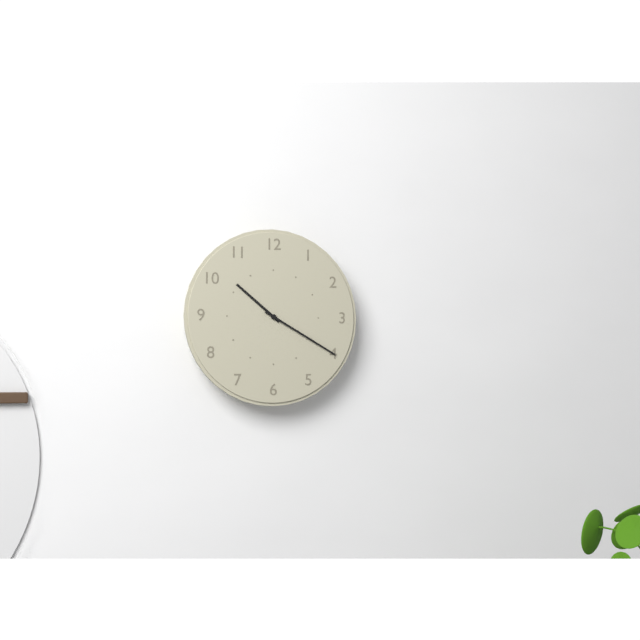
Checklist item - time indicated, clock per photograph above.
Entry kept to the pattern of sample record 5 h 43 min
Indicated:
10 h 20 min
